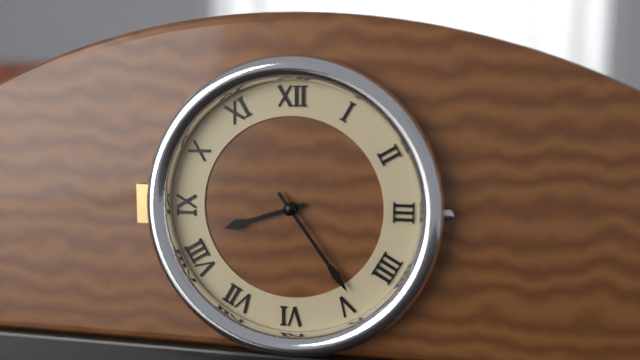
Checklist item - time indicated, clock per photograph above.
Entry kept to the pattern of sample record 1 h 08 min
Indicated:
8 h 24 min
